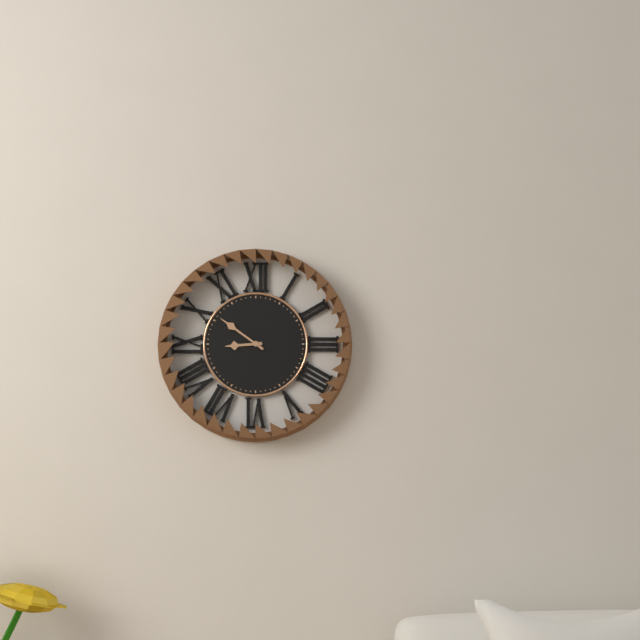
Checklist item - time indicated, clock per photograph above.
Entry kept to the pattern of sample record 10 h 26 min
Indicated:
8 h 51 min
